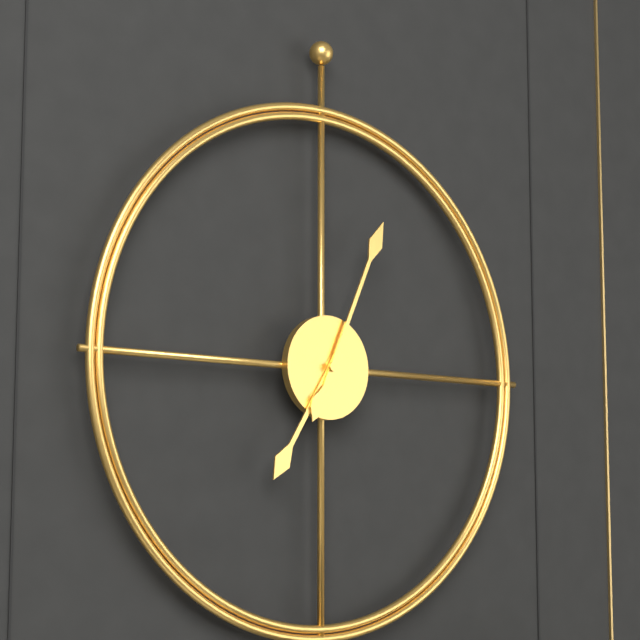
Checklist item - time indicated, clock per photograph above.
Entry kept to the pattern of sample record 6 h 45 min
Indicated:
7 h 04 min
